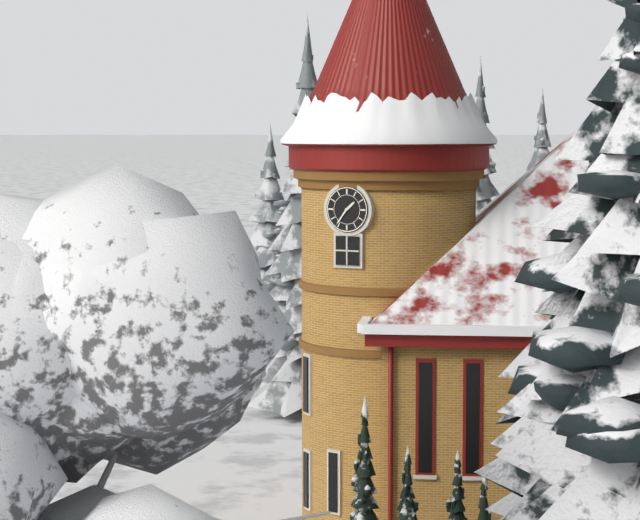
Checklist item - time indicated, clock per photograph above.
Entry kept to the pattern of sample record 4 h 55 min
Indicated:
1 h 36 min
